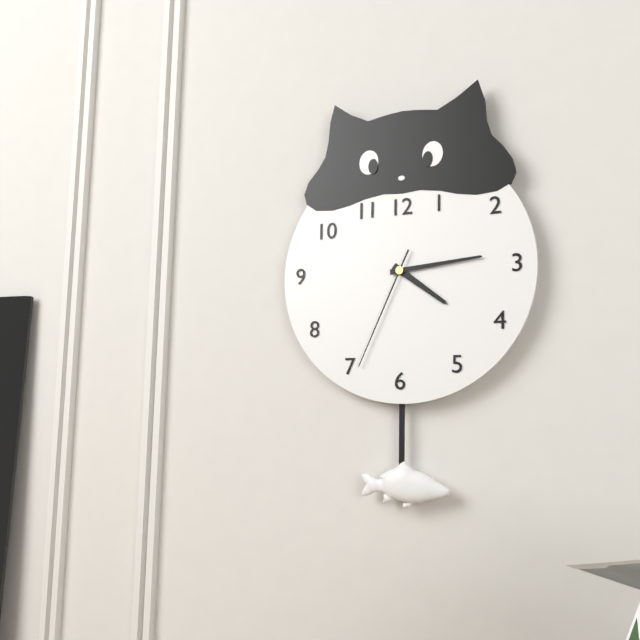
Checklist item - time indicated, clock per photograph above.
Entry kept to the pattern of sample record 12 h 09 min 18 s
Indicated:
4 h 14 min 34 s
